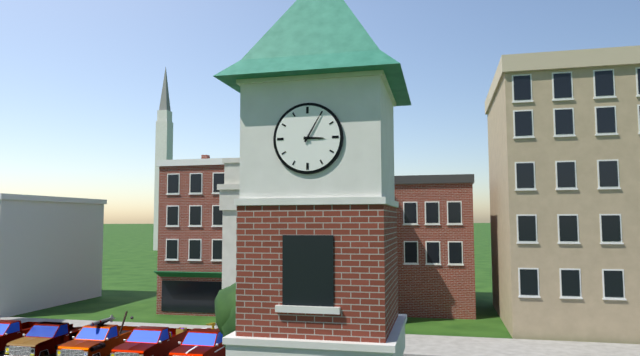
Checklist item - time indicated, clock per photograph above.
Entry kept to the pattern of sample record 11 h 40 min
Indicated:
3 h 05 min
